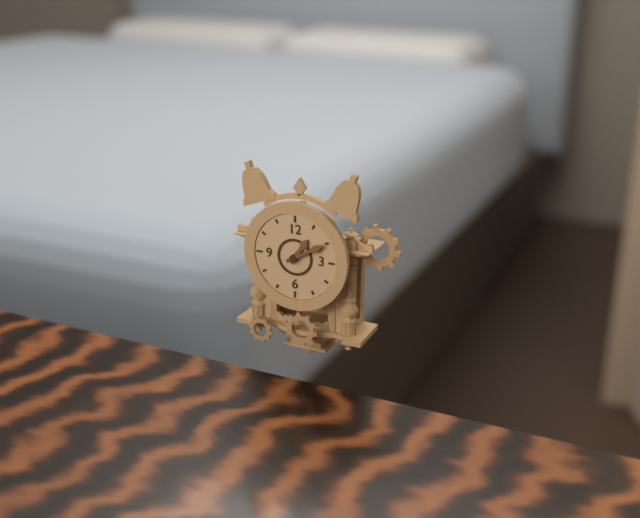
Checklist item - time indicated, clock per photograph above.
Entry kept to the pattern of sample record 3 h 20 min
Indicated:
1 h 10 min
